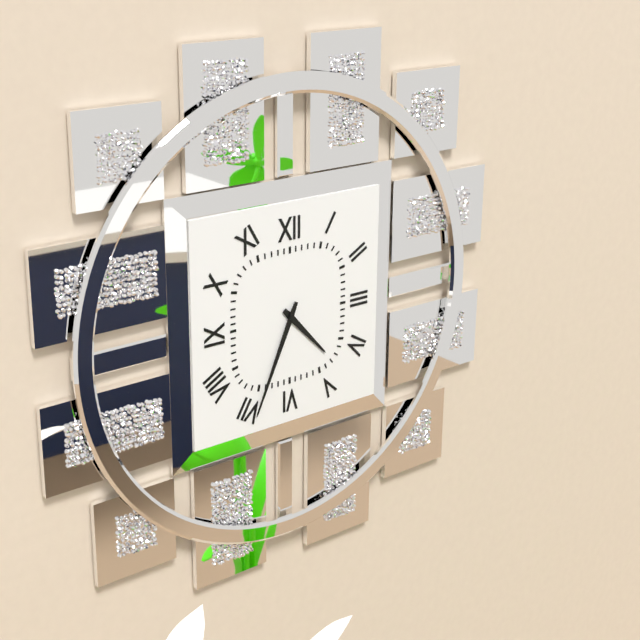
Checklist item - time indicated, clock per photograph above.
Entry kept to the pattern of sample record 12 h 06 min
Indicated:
4 h 34 min
